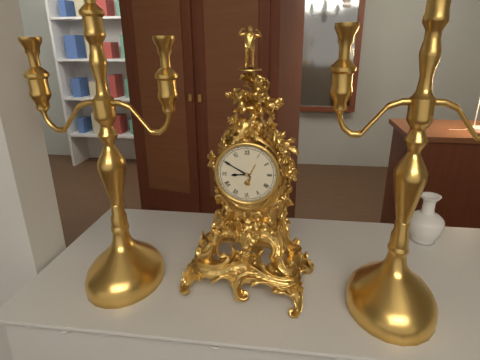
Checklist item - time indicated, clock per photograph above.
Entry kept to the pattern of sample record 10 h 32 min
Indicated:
8 h 50 min
